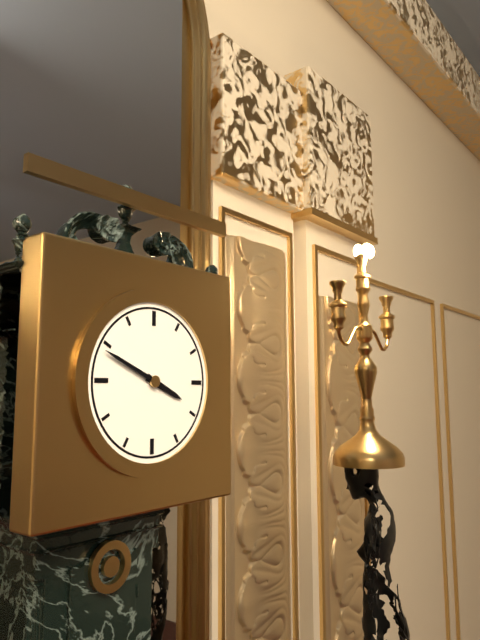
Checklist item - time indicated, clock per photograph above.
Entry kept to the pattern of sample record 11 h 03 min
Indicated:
3 h 49 min
